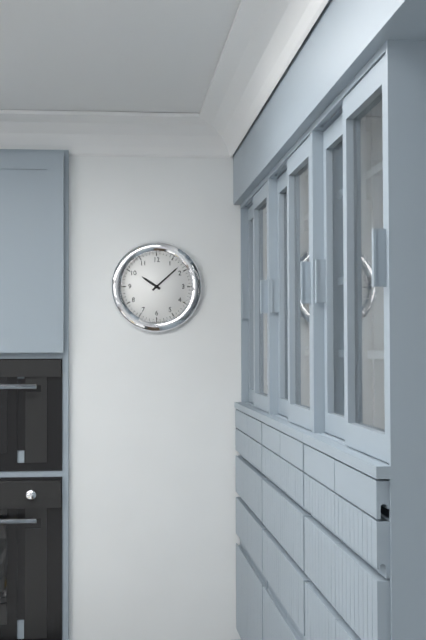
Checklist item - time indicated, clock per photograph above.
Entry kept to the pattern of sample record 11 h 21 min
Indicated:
10 h 08 min
